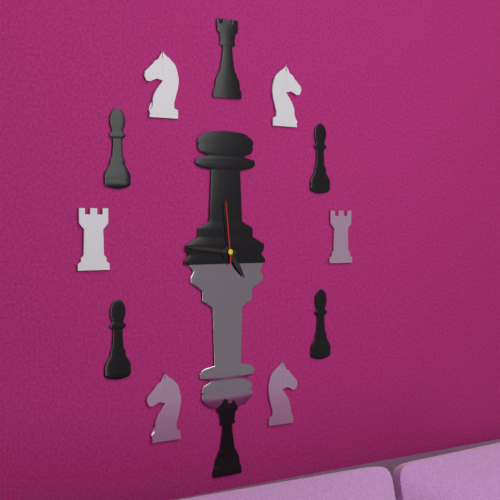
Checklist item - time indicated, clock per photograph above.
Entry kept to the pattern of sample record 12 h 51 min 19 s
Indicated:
4 h 46 min 59 s
